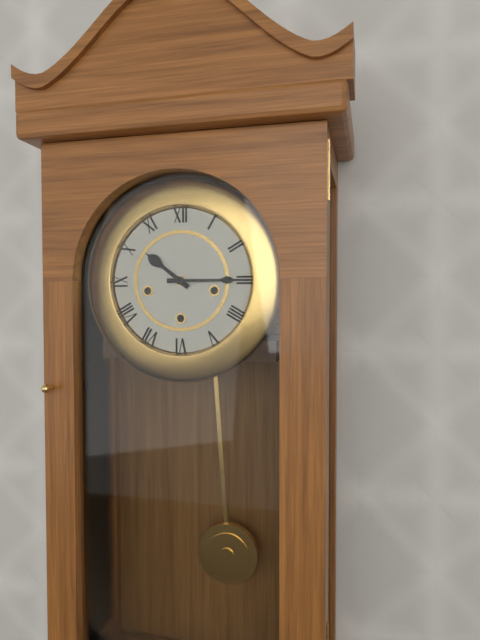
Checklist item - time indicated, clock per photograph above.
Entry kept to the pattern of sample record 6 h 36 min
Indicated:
10 h 15 min
